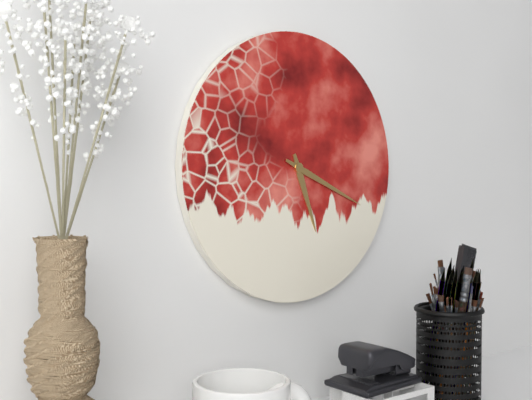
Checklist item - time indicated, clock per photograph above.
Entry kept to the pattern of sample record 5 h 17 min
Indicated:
5 h 19 min
